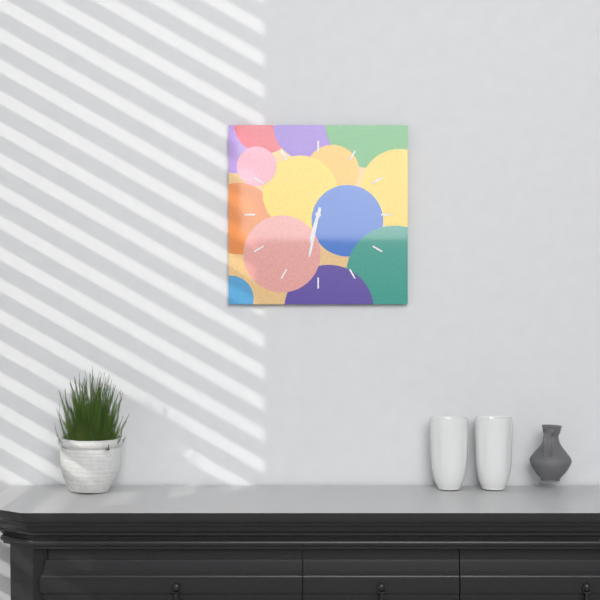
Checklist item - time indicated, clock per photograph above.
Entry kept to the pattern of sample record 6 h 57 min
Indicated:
6 h 32 min
